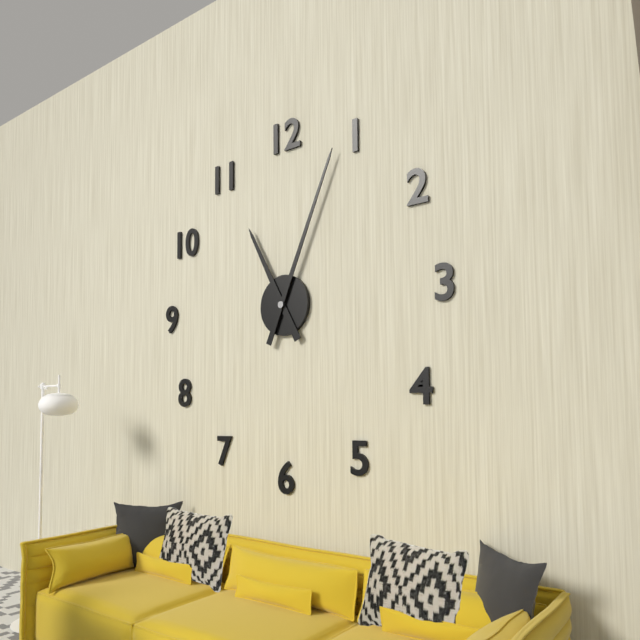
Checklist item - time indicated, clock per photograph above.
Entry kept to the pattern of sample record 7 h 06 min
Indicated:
11 h 04 min
